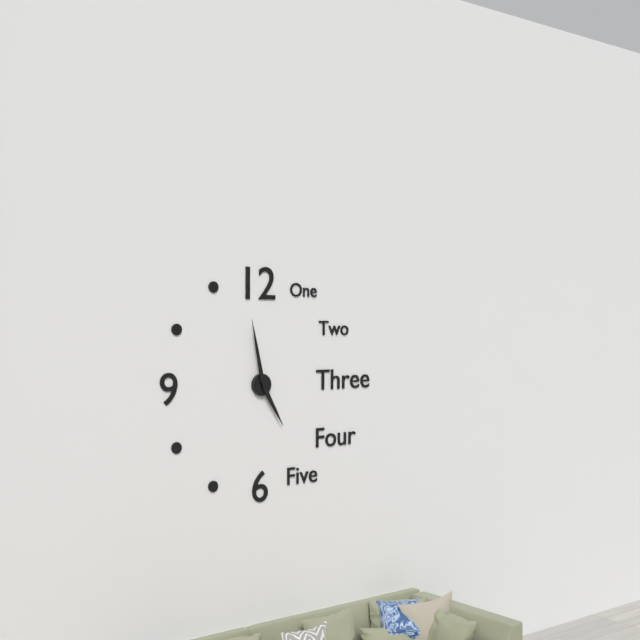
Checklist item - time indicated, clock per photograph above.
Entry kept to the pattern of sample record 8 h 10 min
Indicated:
4 h 58 min
